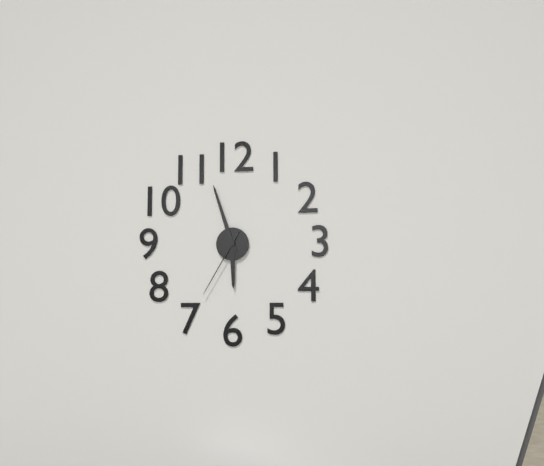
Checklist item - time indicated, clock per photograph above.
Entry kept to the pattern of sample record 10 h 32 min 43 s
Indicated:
5 h 57 min 35 s
